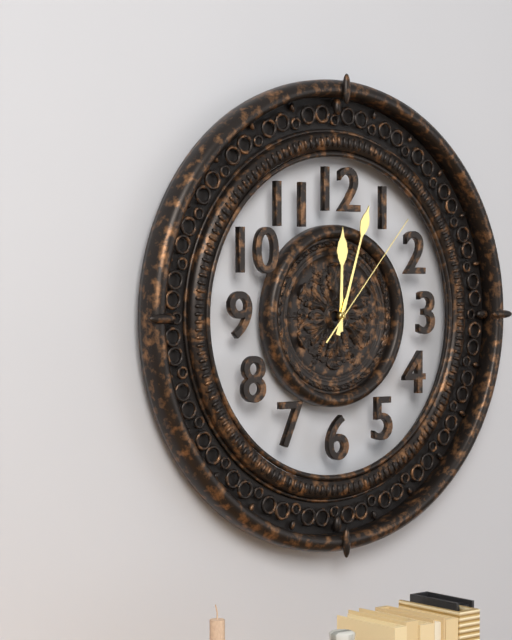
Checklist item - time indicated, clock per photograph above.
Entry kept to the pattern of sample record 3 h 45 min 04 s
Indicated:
12 h 03 min 07 s
